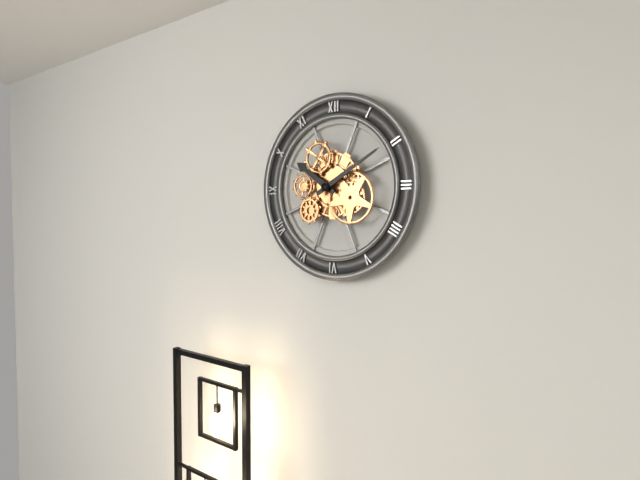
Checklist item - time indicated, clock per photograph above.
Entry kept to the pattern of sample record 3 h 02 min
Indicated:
10 h 10 min
